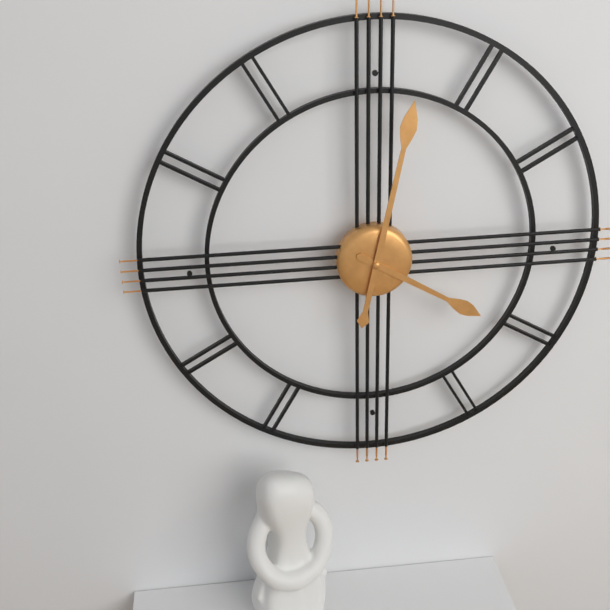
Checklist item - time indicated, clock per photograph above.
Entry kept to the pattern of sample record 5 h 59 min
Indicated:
4 h 02 min
